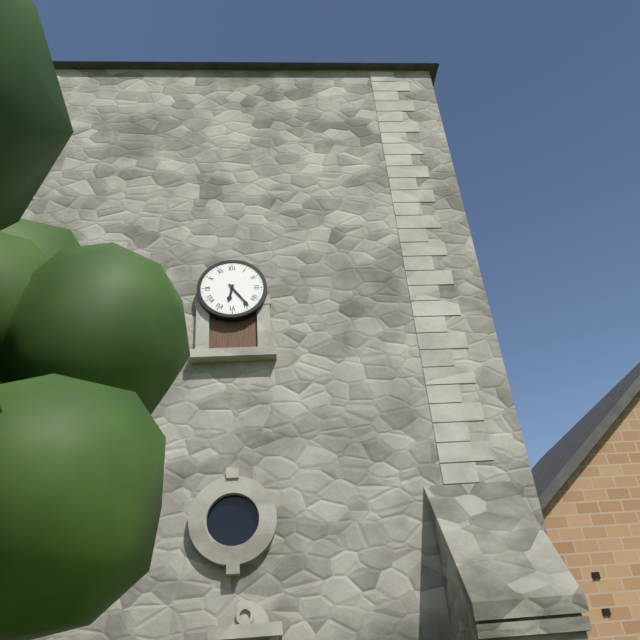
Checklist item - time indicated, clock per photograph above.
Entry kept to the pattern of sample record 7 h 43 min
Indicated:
6 h 24 min
